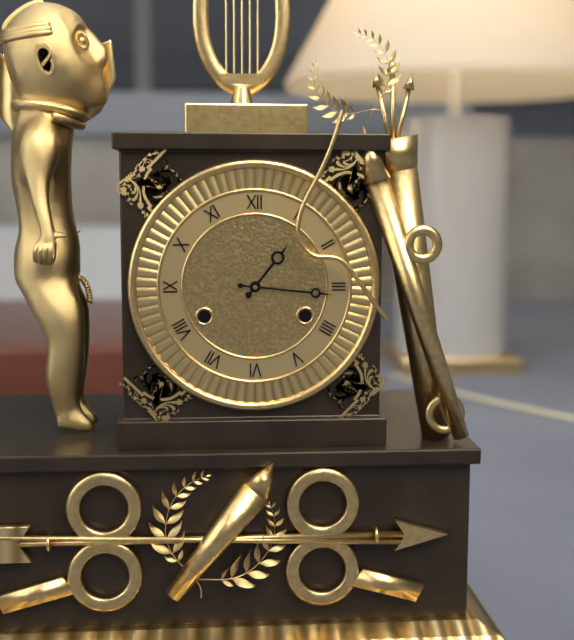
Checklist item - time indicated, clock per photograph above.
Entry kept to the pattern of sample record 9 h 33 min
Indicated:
1 h 16 min
